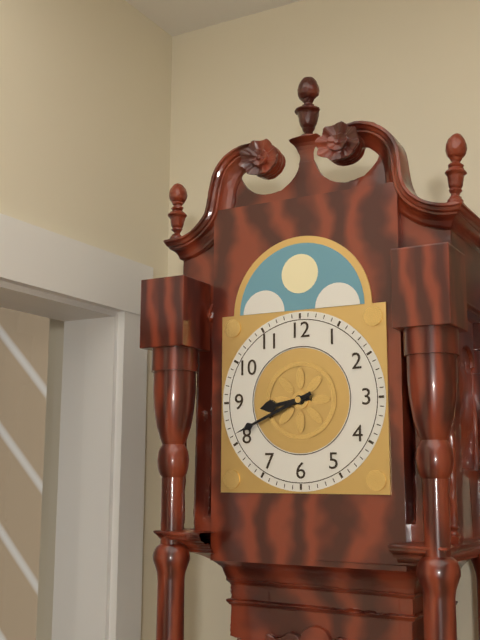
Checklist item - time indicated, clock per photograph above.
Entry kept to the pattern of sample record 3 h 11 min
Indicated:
8 h 41 min
